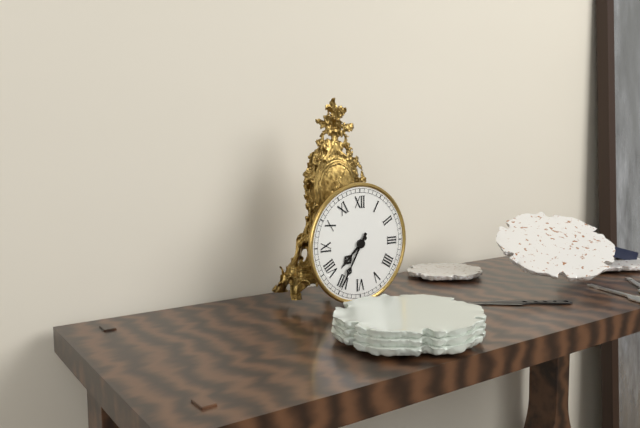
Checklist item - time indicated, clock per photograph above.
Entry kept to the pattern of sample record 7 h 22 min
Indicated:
7 h 35 min
